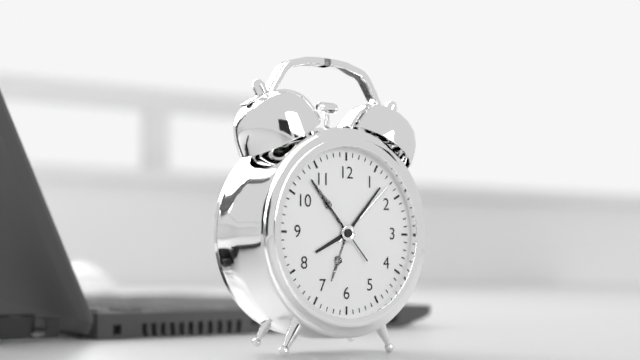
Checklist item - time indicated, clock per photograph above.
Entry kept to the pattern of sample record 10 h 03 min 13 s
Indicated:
8 h 07 min 53 s
